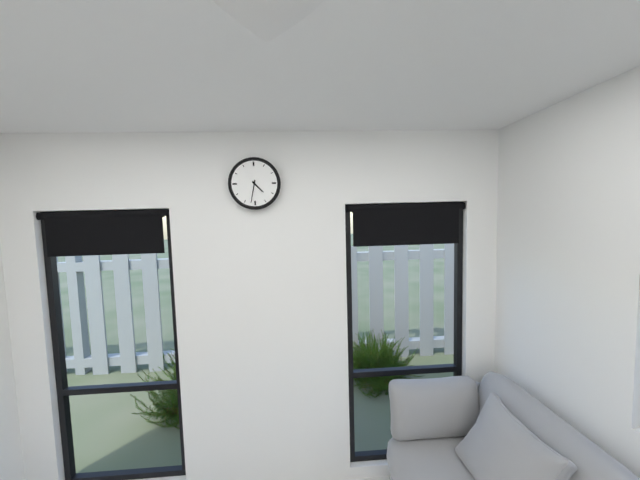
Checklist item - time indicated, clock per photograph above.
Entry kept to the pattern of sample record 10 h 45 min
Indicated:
4 h 32 min
